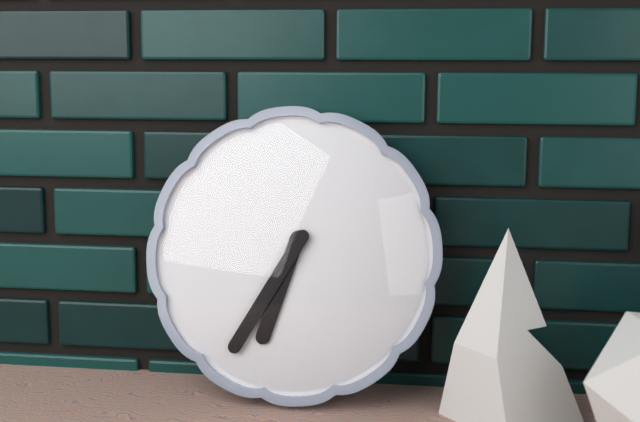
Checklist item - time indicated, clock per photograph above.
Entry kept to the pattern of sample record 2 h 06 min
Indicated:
6 h 35 min
